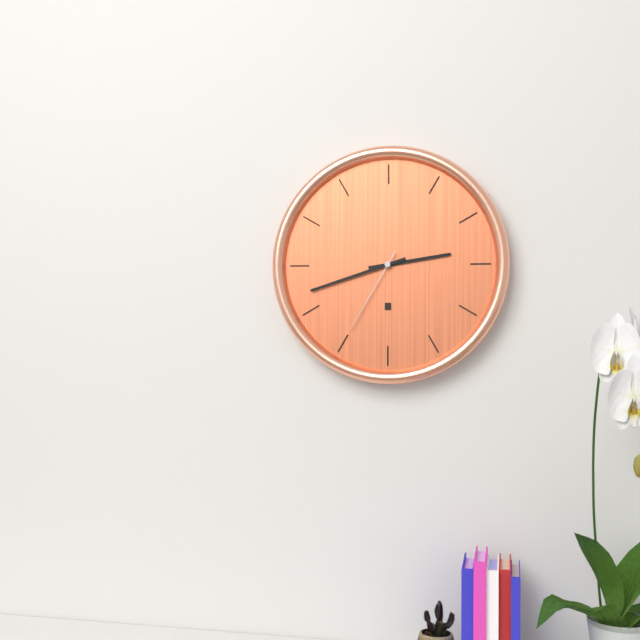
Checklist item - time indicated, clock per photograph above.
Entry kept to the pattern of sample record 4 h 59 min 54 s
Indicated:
2 h 42 min 35 s
